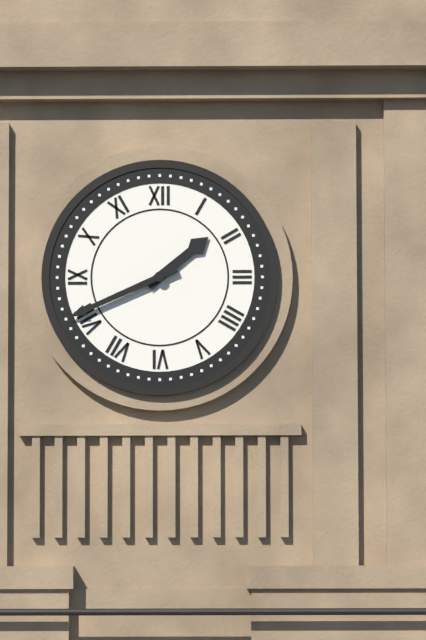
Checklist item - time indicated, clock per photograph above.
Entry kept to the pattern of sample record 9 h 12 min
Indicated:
1 h 41 min
